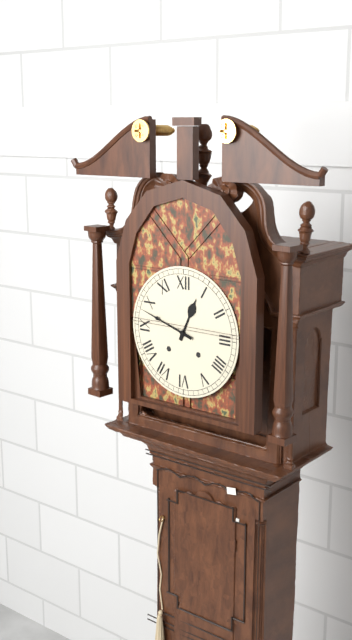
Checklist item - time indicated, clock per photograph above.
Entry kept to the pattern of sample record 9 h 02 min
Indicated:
12 h 48 min
